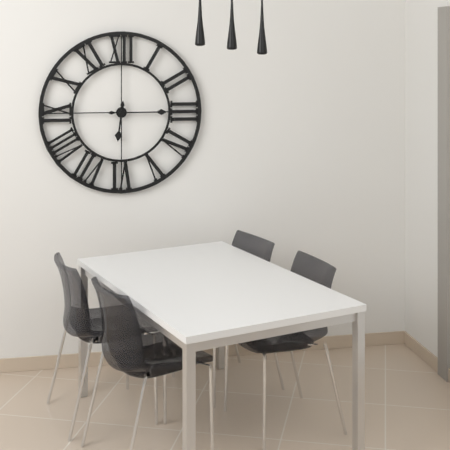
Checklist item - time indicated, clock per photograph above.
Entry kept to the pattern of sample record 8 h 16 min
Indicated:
6 h 15 min
